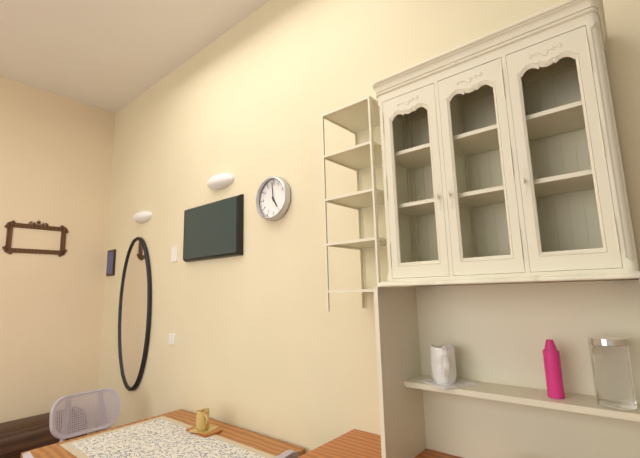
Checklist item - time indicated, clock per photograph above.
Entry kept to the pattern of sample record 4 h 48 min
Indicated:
4 h 59 min
